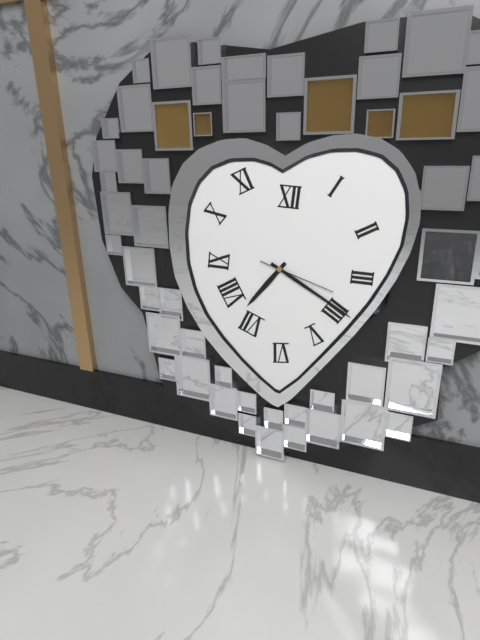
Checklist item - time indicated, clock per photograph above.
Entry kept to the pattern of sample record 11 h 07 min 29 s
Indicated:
7 h 20 min 18 s
